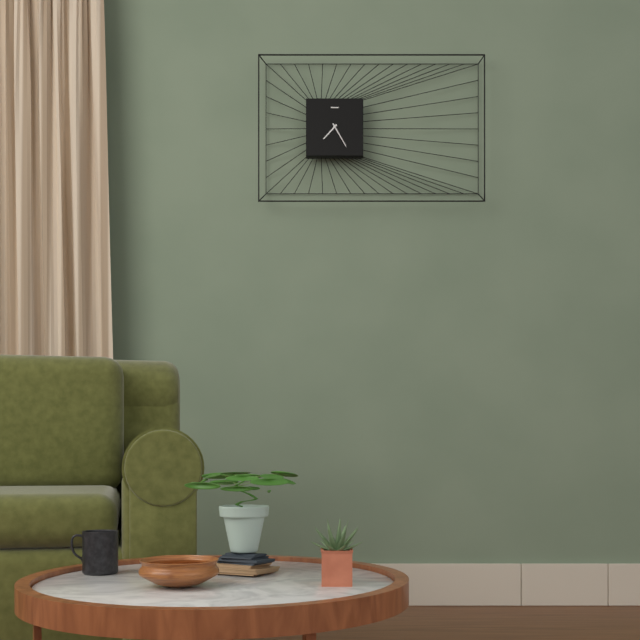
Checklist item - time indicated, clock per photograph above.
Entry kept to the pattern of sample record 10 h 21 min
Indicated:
7 h 25 min
